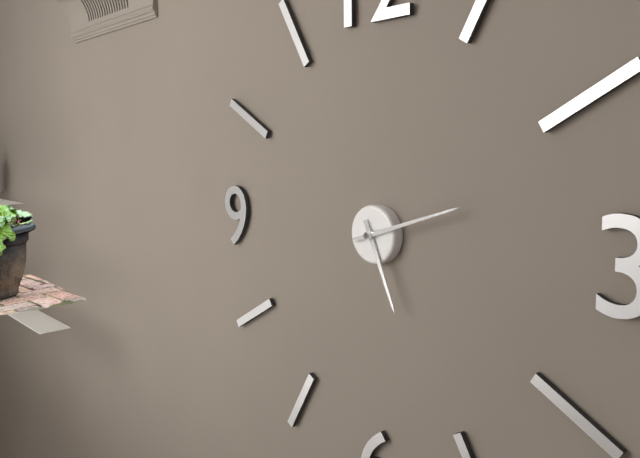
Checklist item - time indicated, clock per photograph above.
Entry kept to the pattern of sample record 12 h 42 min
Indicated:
5 h 12 min
